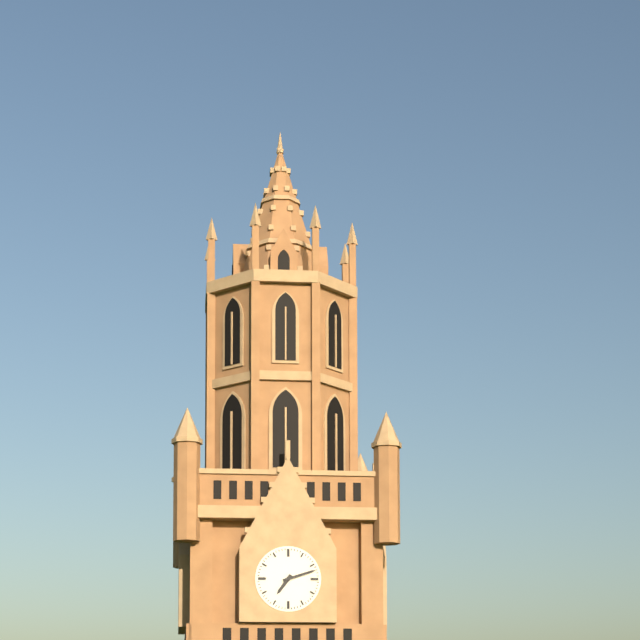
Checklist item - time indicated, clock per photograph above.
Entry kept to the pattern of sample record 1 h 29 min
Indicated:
7 h 12 min
